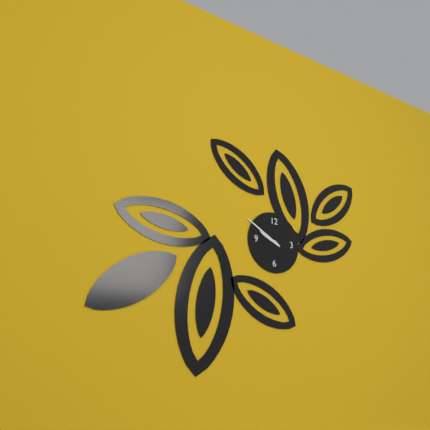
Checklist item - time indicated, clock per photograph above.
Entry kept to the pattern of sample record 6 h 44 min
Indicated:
9 h 50 min
